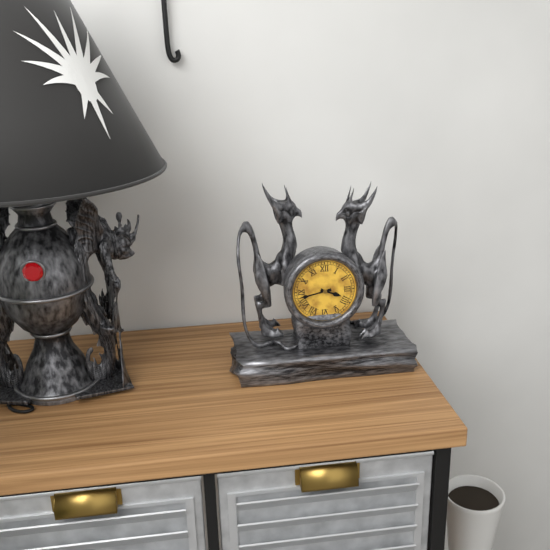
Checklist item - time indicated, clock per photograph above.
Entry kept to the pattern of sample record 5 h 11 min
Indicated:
3 h 43 min
